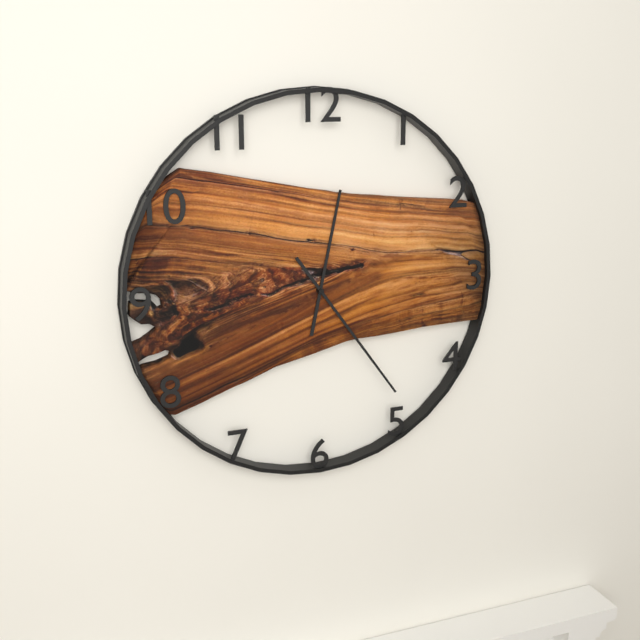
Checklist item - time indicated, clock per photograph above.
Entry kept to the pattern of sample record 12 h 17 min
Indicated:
12 h 24 min
